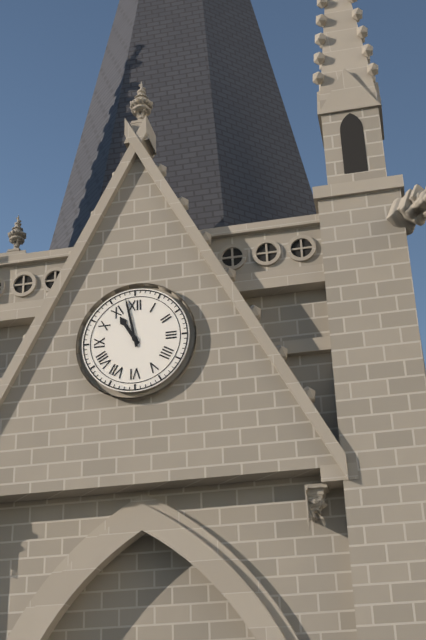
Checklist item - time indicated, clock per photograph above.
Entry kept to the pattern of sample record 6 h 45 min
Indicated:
10 h 58 min
